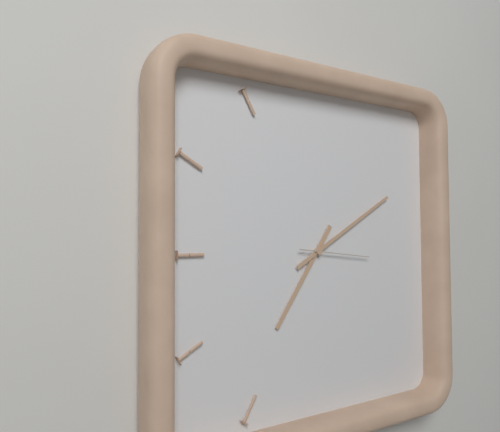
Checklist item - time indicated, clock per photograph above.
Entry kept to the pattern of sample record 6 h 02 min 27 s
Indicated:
7 h 10 min 16 s
